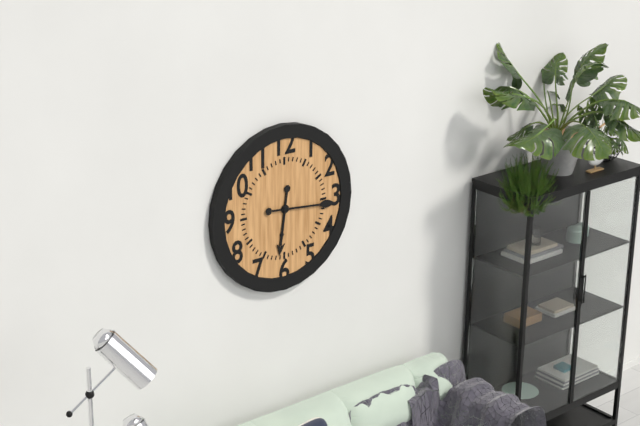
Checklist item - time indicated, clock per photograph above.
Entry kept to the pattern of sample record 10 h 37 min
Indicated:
6 h 16 min
